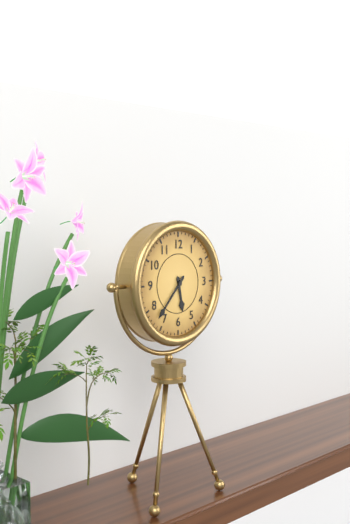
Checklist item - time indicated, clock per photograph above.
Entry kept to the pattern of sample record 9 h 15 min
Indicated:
5 h 37 min
